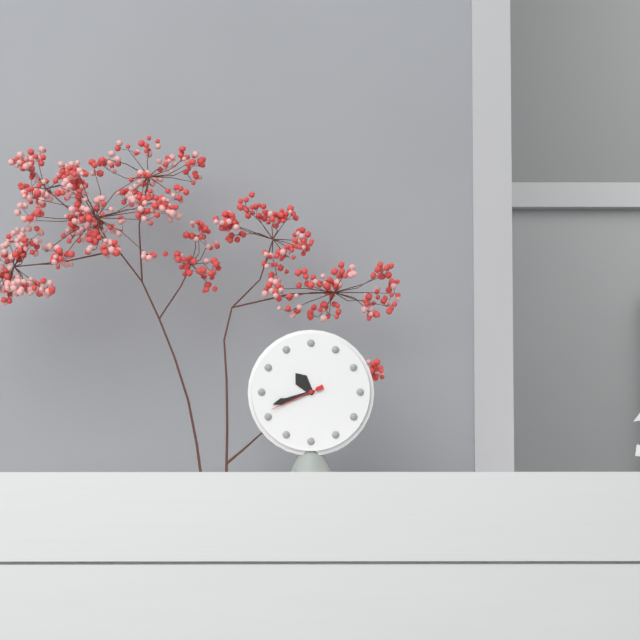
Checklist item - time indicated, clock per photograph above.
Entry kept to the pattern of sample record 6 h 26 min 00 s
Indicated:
10 h 42 min 41 s
